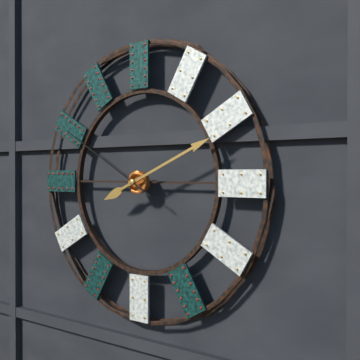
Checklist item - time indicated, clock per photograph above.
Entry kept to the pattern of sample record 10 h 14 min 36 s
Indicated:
8 h 11 min 50 s
